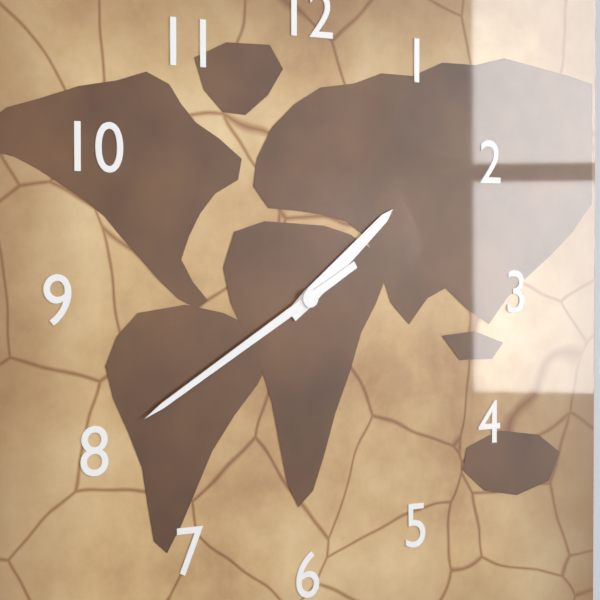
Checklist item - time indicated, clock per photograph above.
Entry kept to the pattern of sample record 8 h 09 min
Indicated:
1 h 40 min
